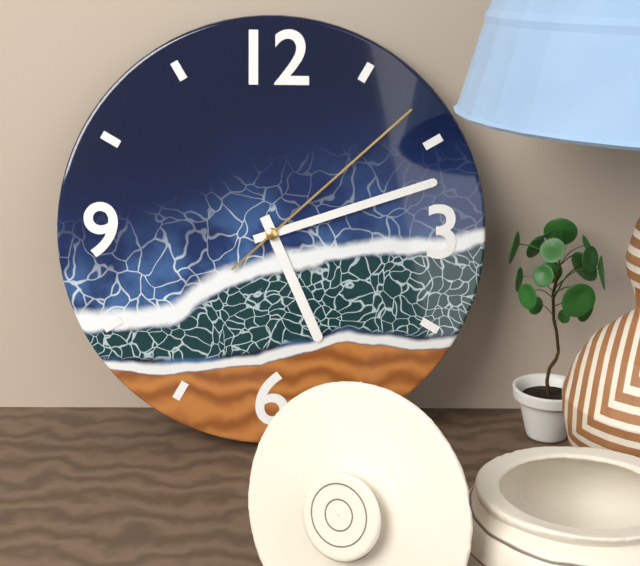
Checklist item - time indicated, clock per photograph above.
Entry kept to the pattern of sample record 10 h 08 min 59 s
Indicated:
5 h 12 min 08 s
